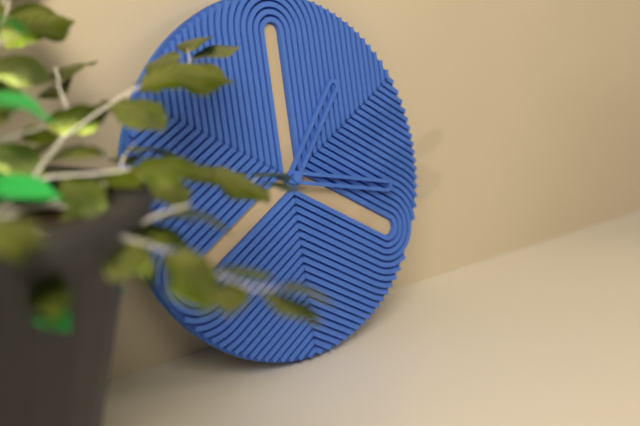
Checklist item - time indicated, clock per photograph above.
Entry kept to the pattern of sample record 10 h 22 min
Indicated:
1 h 17 min
